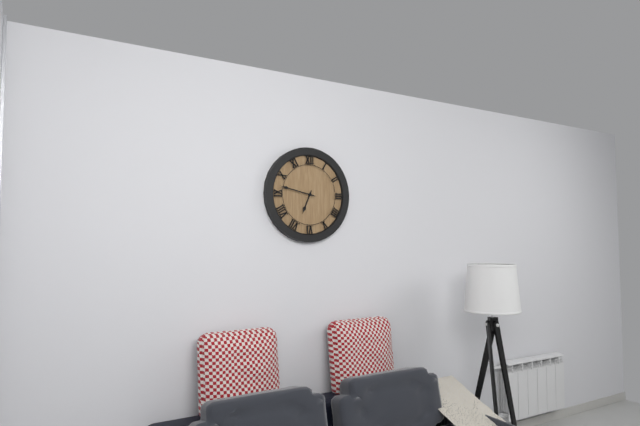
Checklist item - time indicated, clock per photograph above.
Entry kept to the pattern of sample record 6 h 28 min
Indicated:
6 h 47 min
